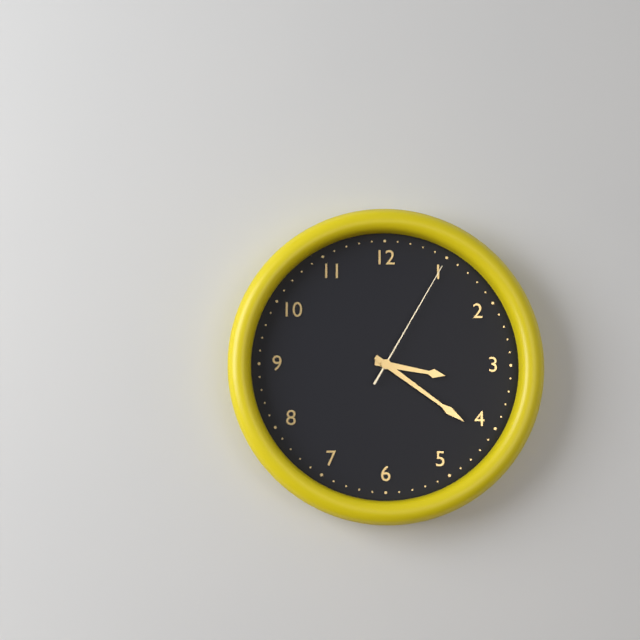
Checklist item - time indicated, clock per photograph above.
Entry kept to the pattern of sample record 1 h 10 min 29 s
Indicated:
3 h 21 min 05 s
